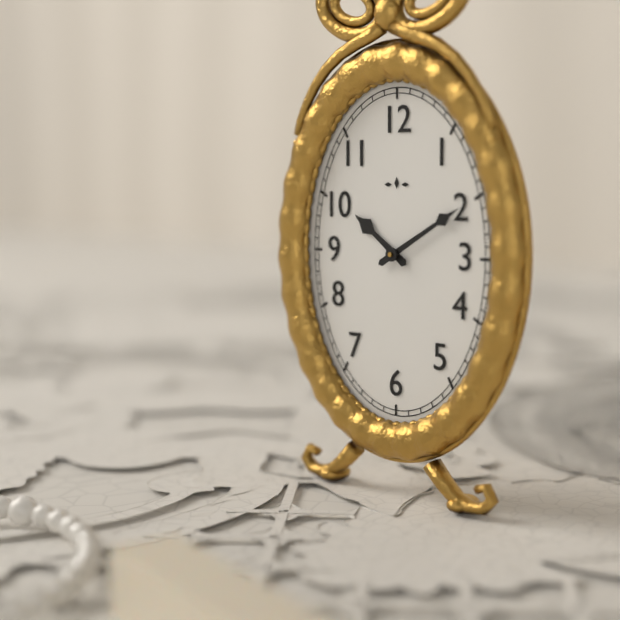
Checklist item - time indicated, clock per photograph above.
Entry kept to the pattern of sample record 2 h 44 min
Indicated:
10 h 10 min
